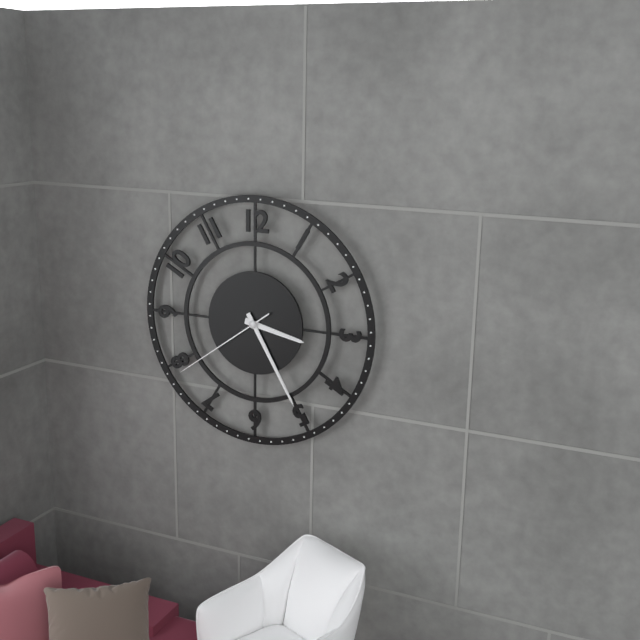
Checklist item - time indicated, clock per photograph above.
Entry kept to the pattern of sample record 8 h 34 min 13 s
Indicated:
3 h 25 min 39 s
